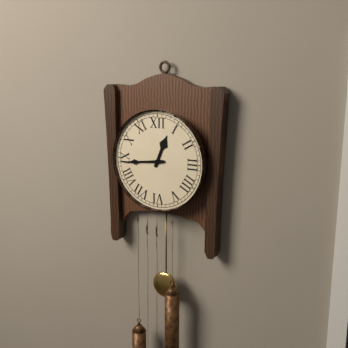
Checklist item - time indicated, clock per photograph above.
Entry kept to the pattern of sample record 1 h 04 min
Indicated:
12 h 44 min
